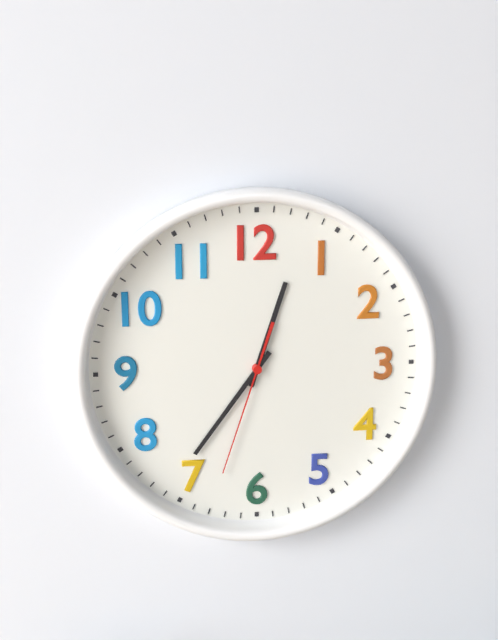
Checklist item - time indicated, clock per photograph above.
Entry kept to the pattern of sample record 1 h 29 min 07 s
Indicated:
12 h 36 min 33 s
